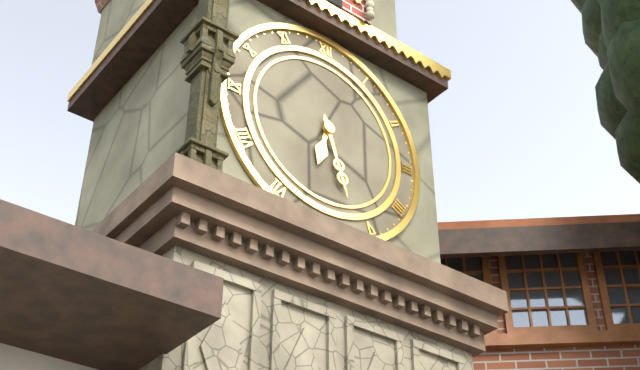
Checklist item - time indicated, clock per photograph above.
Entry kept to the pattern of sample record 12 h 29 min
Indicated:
6 h 27 min
